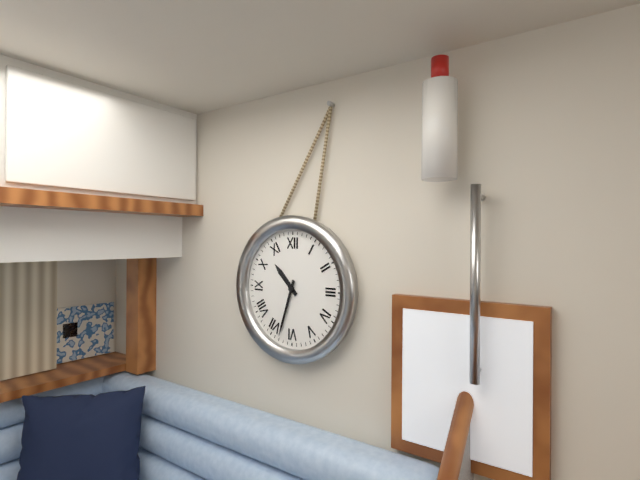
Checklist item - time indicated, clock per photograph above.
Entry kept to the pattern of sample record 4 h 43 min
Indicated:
10 h 33 min
